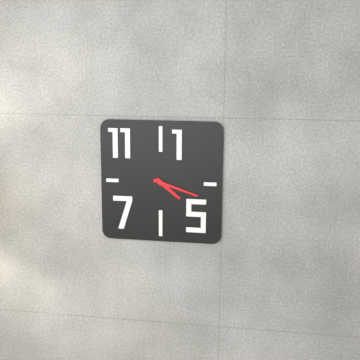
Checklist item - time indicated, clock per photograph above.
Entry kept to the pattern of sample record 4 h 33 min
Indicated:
4 h 18 min
